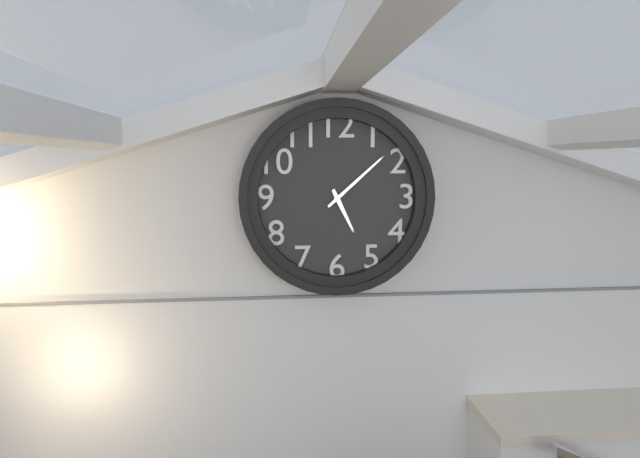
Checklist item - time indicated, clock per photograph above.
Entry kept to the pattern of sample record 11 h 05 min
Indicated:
5 h 08 min
